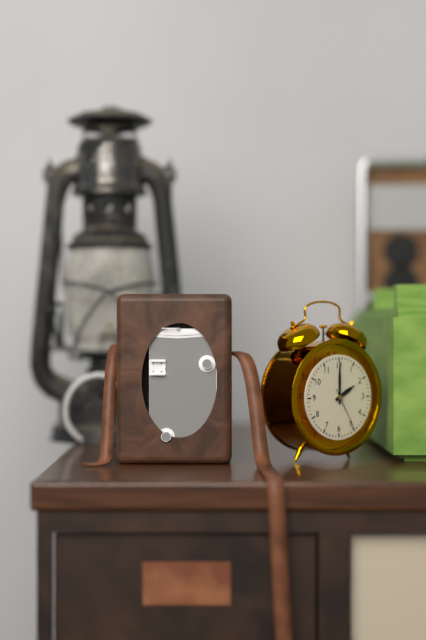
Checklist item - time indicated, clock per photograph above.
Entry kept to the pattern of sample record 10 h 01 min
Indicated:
2 h 00 min
